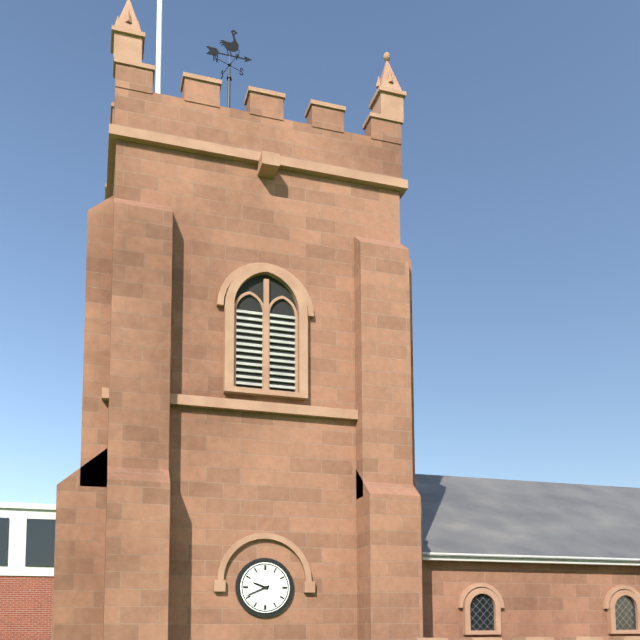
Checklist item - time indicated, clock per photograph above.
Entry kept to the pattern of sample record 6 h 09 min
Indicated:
9 h 41 min
